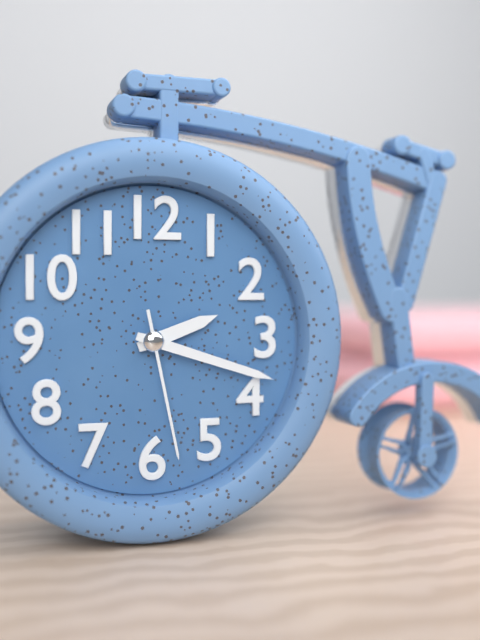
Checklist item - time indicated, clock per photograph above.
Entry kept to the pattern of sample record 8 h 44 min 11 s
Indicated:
2 h 18 min 28 s
